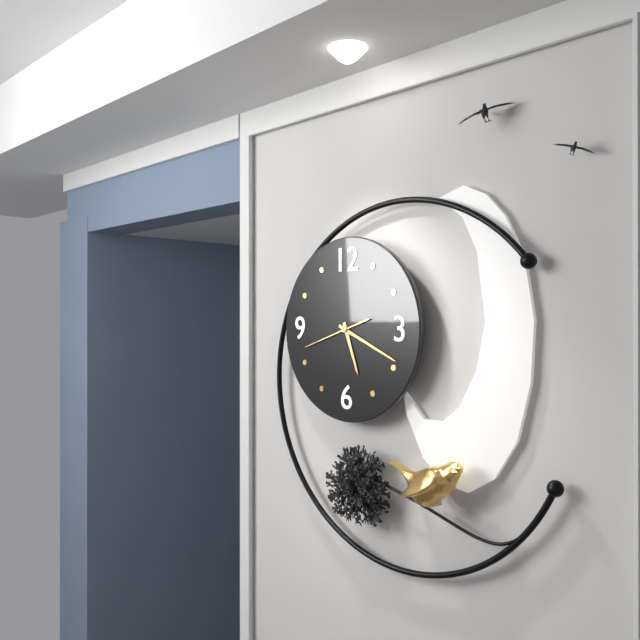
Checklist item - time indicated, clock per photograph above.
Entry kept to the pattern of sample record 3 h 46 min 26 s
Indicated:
5 h 19 min 42 s
